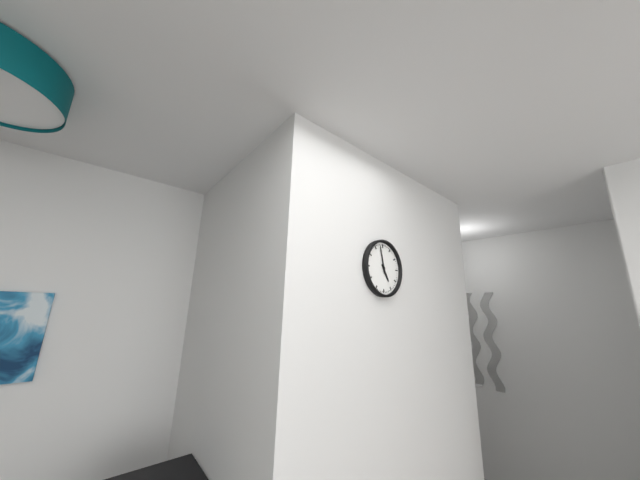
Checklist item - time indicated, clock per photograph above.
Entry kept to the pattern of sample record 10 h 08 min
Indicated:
4 h 58 min
